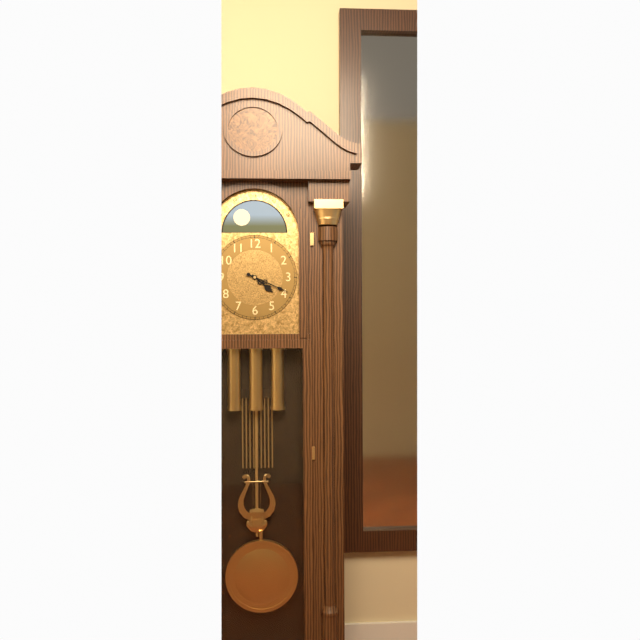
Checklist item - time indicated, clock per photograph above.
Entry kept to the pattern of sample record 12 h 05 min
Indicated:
4 h 19 min
